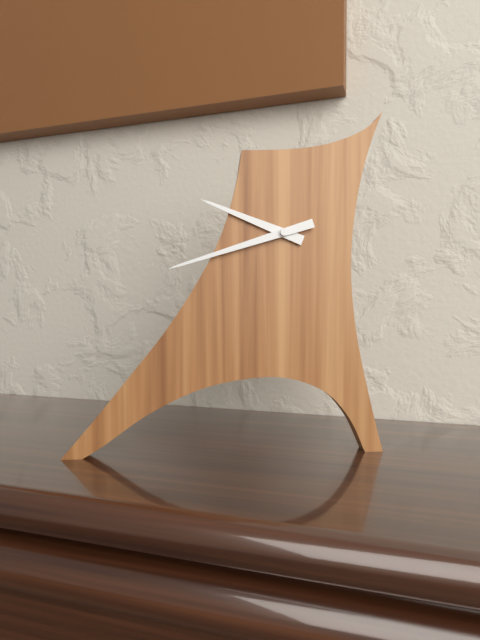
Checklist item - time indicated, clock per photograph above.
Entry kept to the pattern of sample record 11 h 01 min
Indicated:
9 h 42 min
